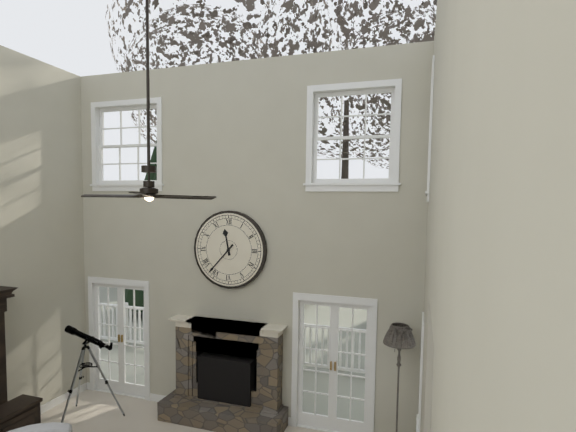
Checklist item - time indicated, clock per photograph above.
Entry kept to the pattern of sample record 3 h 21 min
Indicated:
11 h 37 min
